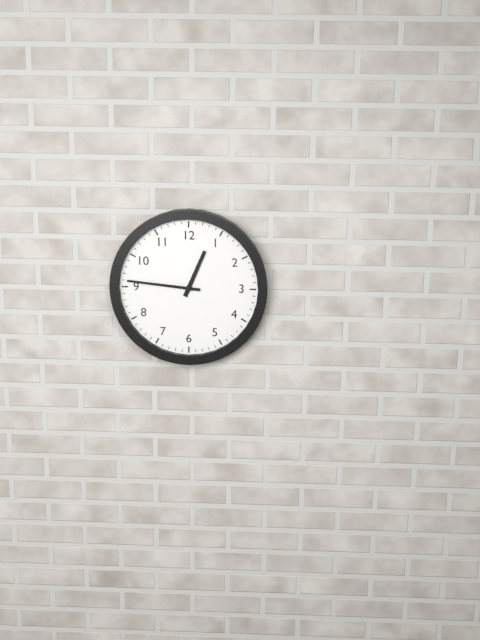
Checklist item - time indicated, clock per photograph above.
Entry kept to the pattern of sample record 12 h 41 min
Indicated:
12 h 46 min
